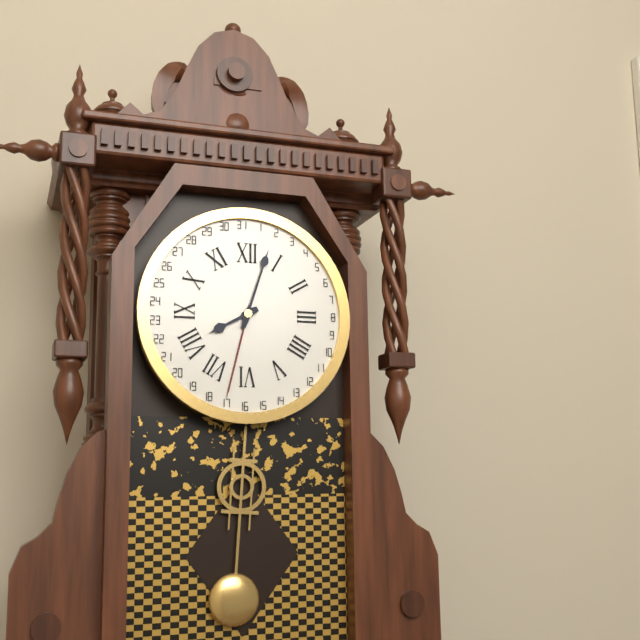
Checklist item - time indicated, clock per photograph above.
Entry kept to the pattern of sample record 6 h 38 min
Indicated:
8 h 03 min
